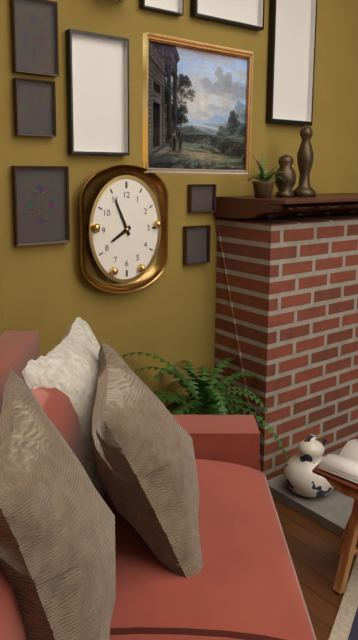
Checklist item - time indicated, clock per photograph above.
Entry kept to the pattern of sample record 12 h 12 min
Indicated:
7 h 56 min
